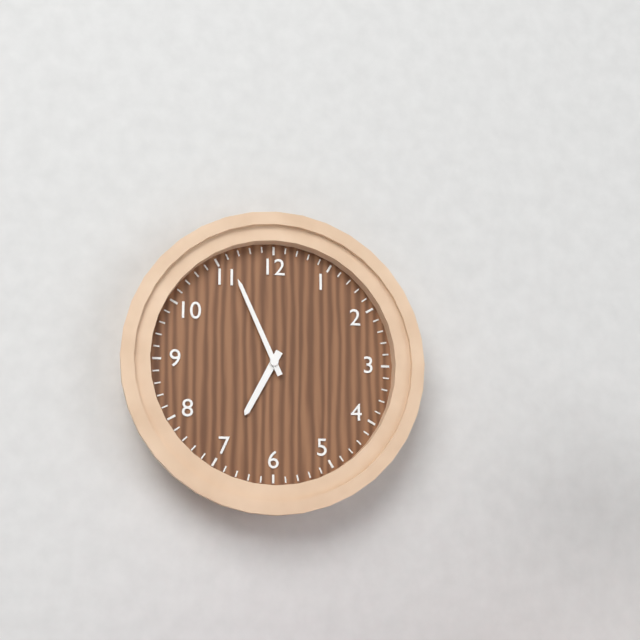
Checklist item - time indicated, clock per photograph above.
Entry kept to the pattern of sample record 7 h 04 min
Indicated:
6 h 56 min
